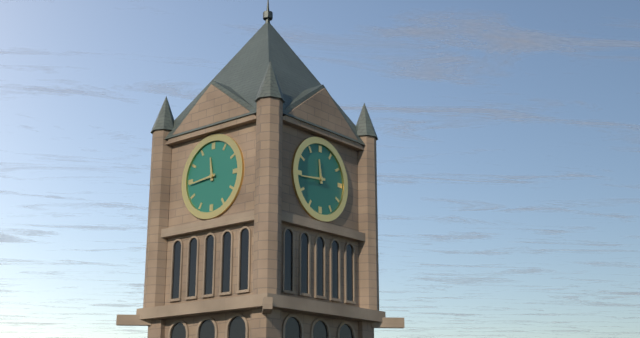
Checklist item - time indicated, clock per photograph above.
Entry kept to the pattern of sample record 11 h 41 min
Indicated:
11 h 44 min
